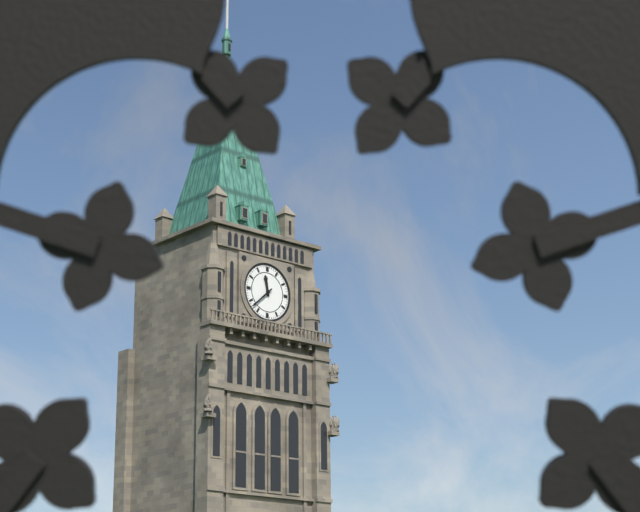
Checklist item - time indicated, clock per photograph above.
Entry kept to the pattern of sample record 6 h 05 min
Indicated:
11 h 38 min
